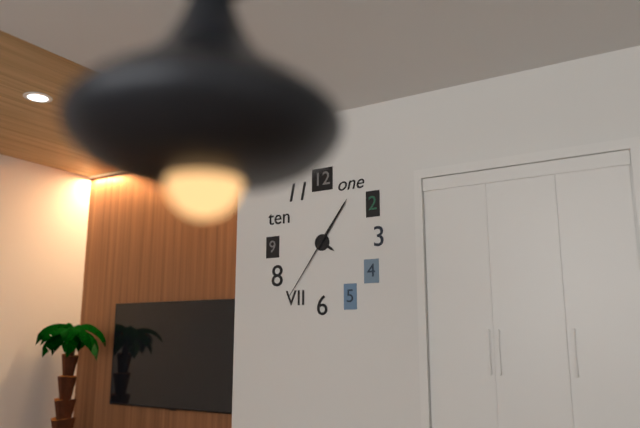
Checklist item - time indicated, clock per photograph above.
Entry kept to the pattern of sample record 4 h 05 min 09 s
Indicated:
4 h 06 min 36 s
